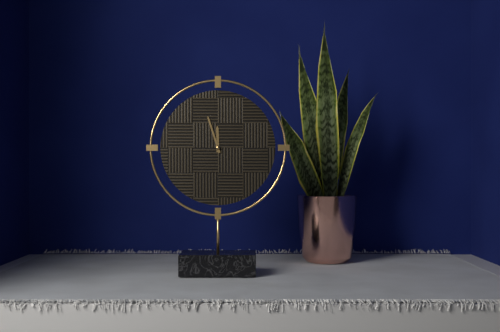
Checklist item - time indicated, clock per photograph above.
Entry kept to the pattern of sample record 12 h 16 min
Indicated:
11 h 57 min
